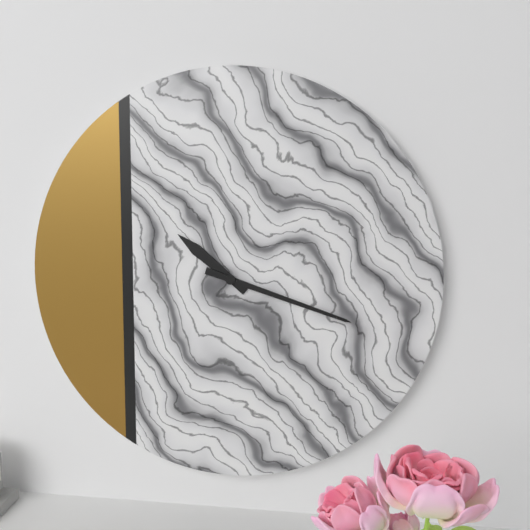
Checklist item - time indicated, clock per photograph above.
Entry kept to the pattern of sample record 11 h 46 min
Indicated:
10 h 18 min
